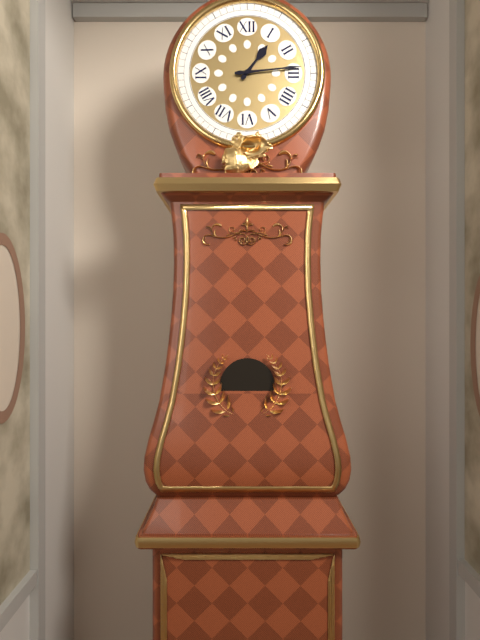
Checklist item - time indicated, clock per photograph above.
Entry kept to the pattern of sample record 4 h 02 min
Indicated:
1 h 14 min
